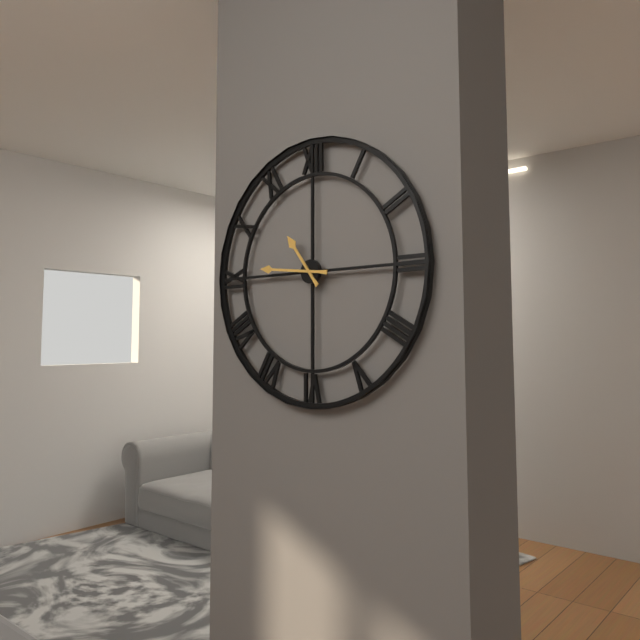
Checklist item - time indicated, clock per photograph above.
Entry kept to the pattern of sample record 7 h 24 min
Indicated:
10 h 46 min
